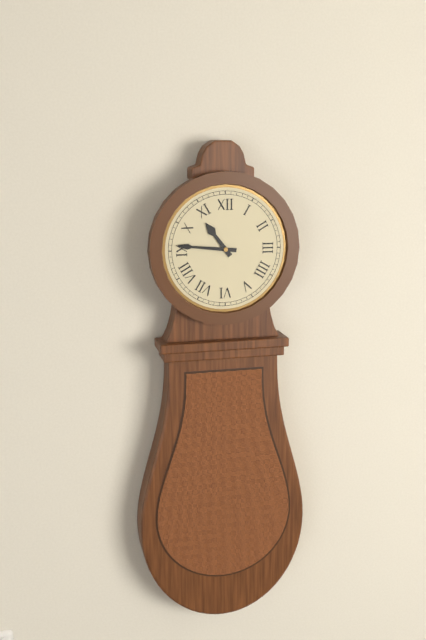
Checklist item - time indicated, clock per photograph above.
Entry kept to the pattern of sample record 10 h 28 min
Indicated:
10 h 46 min
